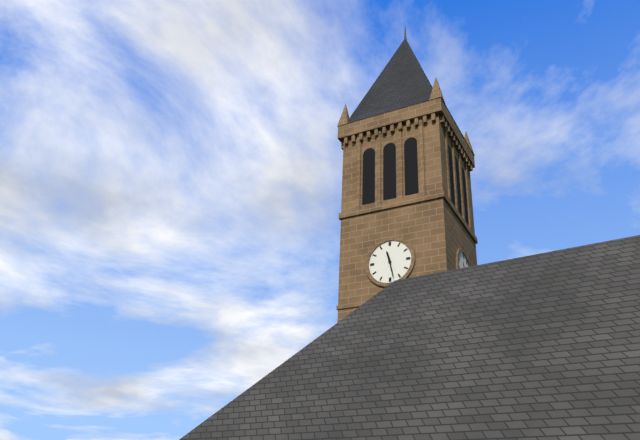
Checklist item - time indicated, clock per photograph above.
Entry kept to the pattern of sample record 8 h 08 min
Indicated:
11 h 28 min
